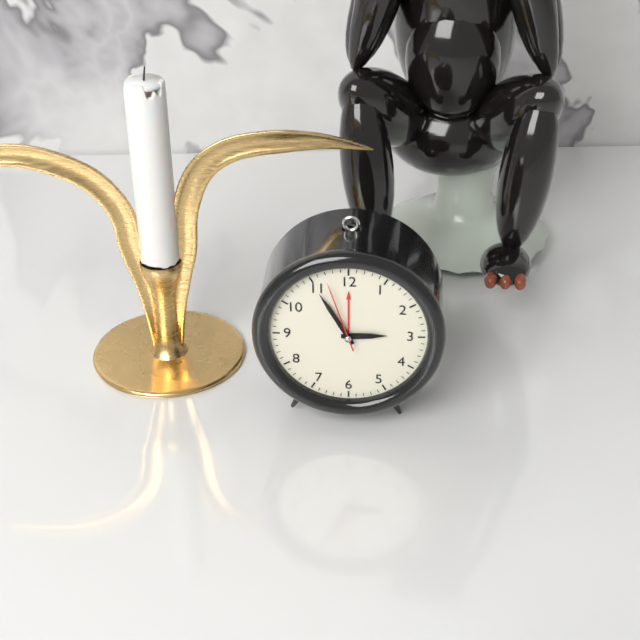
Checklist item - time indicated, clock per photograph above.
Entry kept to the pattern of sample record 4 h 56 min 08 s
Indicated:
2 h 55 min 57 s
